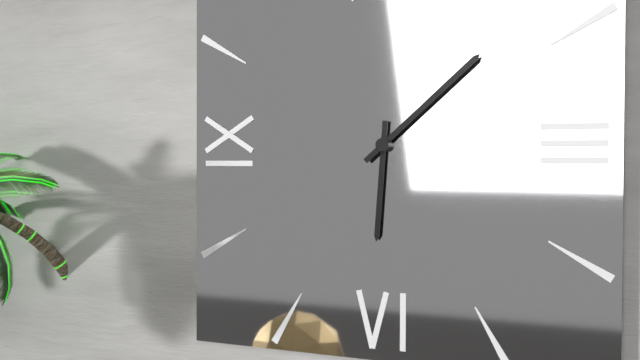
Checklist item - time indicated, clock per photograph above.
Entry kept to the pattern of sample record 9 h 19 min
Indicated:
6 h 08 min
